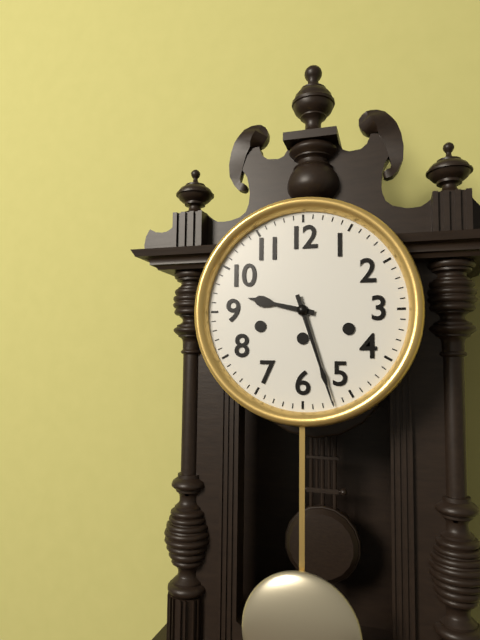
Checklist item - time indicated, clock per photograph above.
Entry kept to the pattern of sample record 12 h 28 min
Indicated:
9 h 27 min
